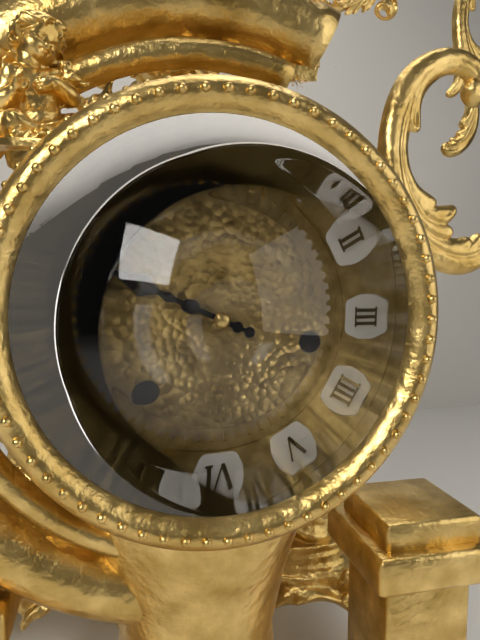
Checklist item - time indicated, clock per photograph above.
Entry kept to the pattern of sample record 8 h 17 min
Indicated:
9 h 49 min
